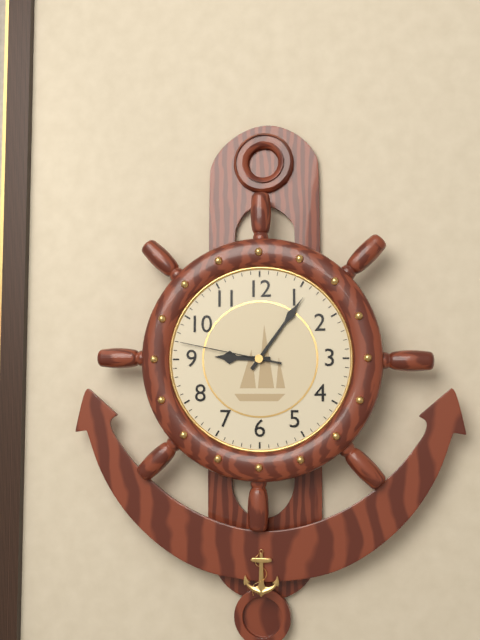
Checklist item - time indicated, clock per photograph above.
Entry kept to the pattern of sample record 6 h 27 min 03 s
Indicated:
9 h 06 min 47 s
